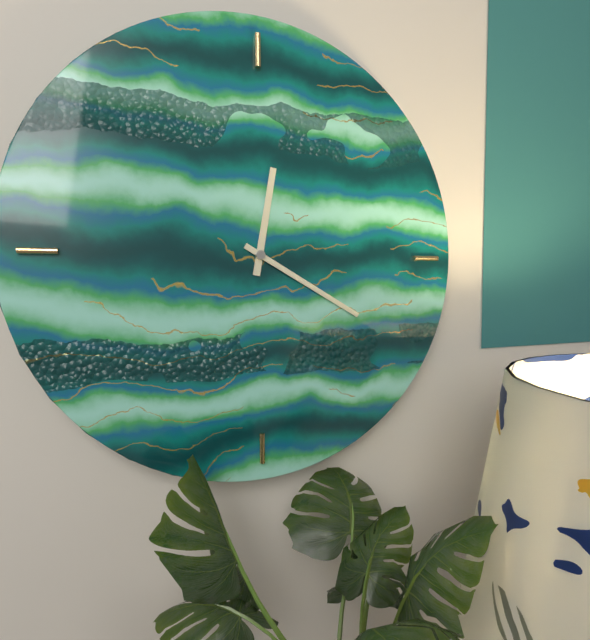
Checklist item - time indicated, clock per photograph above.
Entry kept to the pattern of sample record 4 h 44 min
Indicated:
12 h 20 min
